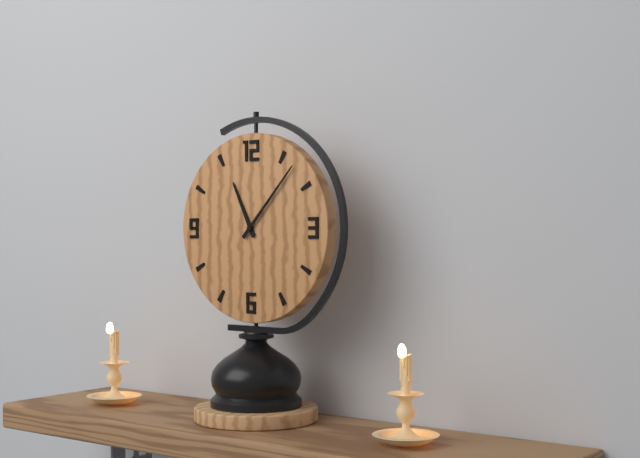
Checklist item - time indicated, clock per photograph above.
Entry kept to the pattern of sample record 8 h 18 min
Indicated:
11 h 07 min
